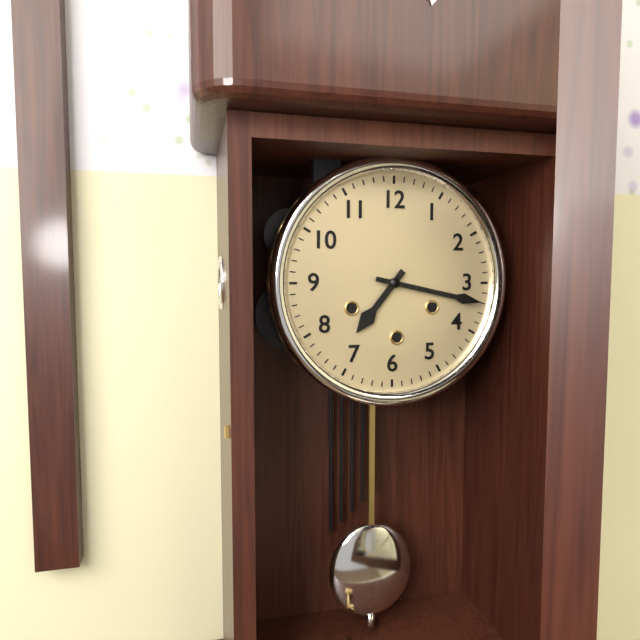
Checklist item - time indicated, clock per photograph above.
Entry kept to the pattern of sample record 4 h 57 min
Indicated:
7 h 17 min
